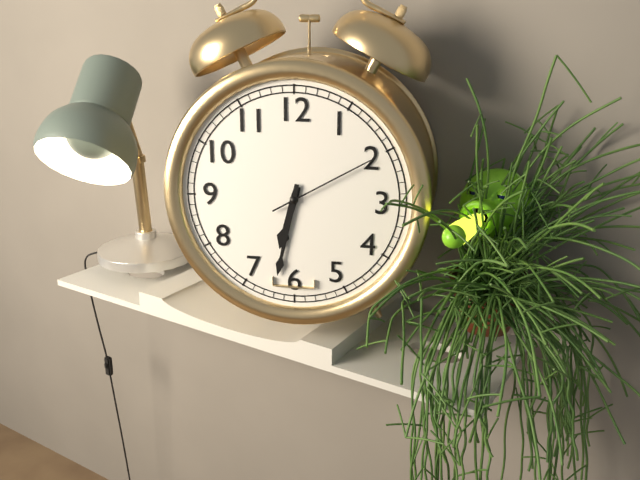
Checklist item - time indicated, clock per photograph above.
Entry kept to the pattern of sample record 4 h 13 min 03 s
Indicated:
6 h 32 min 10 s
